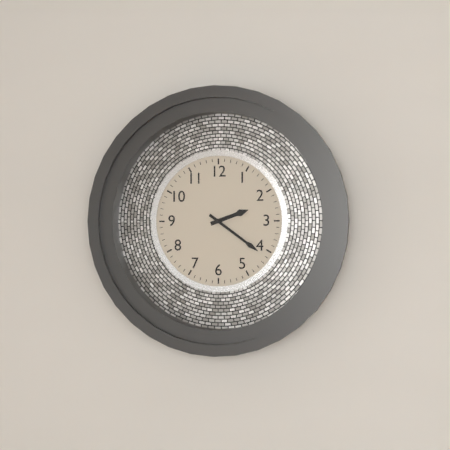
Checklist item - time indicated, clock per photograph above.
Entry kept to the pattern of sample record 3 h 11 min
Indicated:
2 h 21 min
